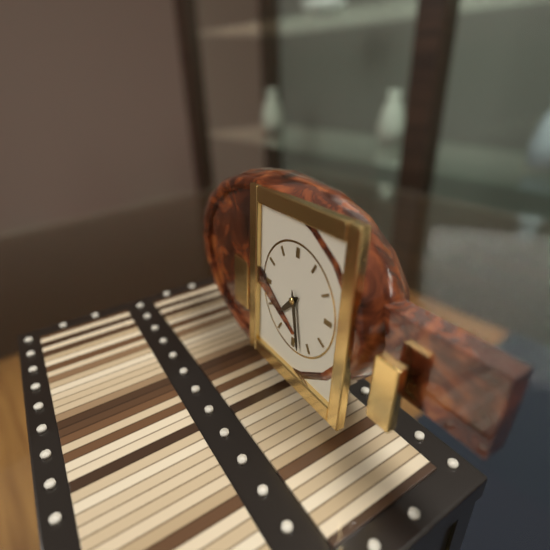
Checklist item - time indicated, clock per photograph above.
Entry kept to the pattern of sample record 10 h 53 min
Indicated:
7 h 28 min
